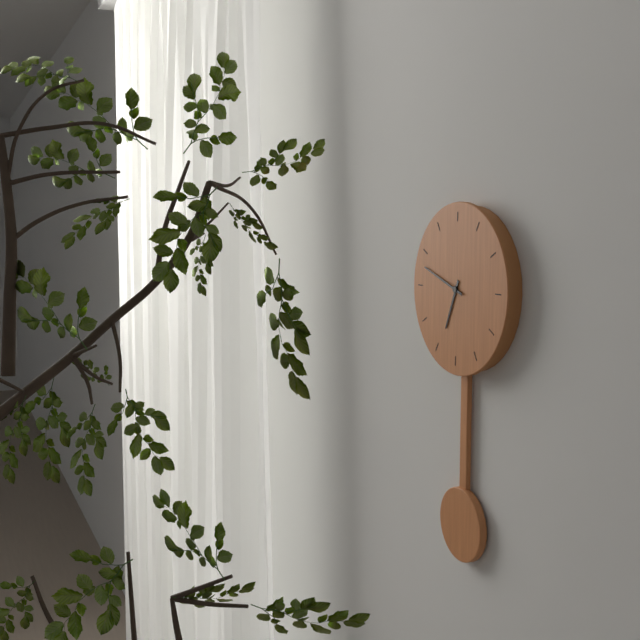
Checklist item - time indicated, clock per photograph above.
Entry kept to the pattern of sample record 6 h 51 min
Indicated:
6 h 48 min
